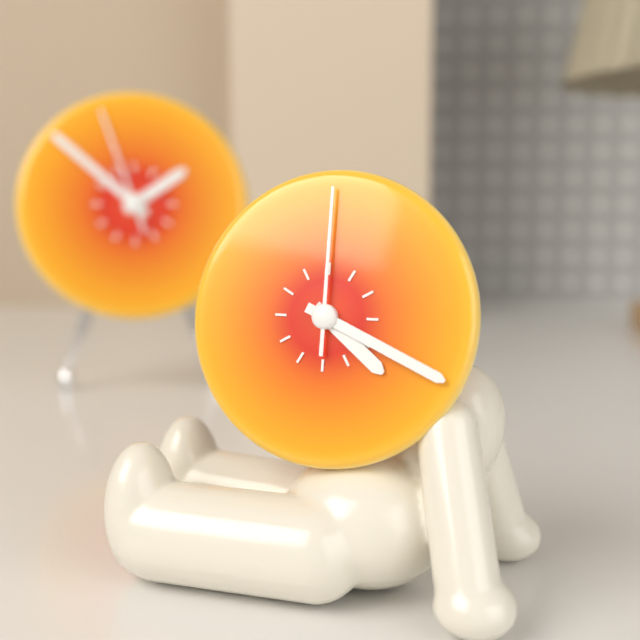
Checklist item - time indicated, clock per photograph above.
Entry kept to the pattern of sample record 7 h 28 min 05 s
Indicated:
4 h 19 min 00 s
